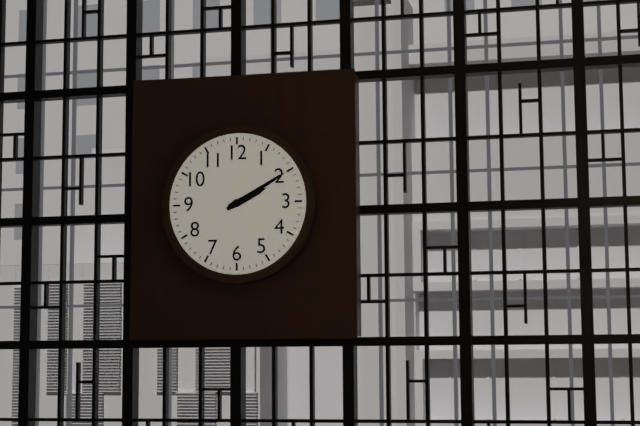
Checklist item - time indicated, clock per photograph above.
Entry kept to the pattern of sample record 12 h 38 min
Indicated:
2 h 10 min
